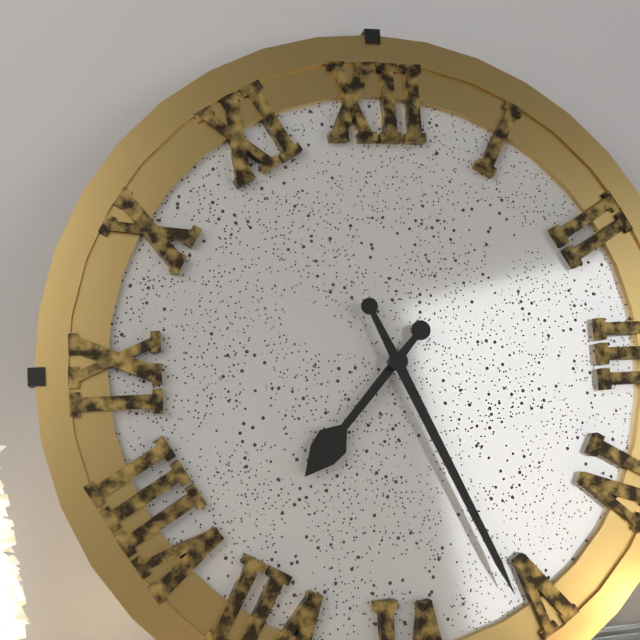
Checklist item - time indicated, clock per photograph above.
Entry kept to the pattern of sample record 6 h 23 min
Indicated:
7 h 26 min
